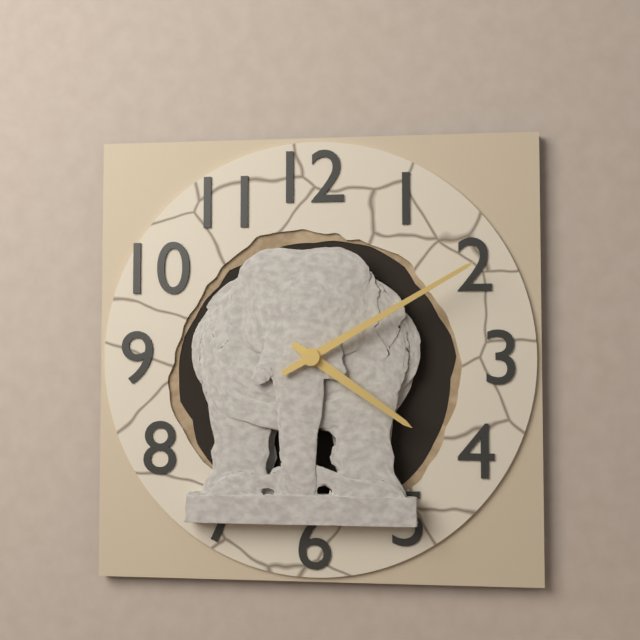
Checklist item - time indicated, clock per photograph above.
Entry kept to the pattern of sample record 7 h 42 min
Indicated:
4 h 10 min
